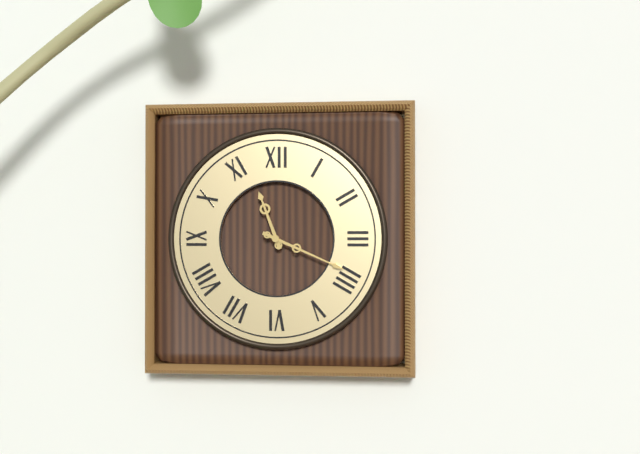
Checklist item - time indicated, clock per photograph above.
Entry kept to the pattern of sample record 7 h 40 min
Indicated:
11 h 19 min
